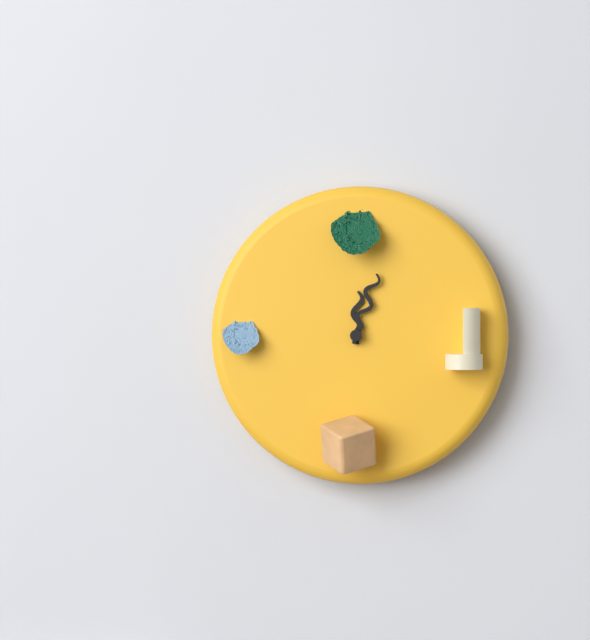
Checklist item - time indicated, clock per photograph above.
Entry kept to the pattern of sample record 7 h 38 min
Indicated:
12 h 03 min
